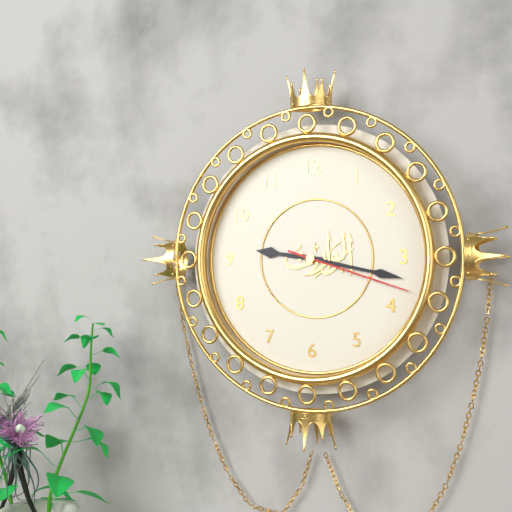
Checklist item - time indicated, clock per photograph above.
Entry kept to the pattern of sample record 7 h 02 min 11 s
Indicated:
9 h 17 min 18 s
